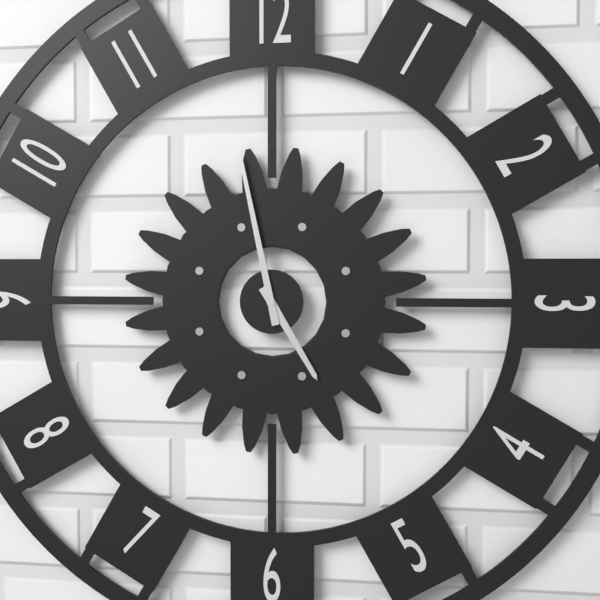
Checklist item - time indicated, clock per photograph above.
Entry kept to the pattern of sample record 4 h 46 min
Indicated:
4 h 58 min
